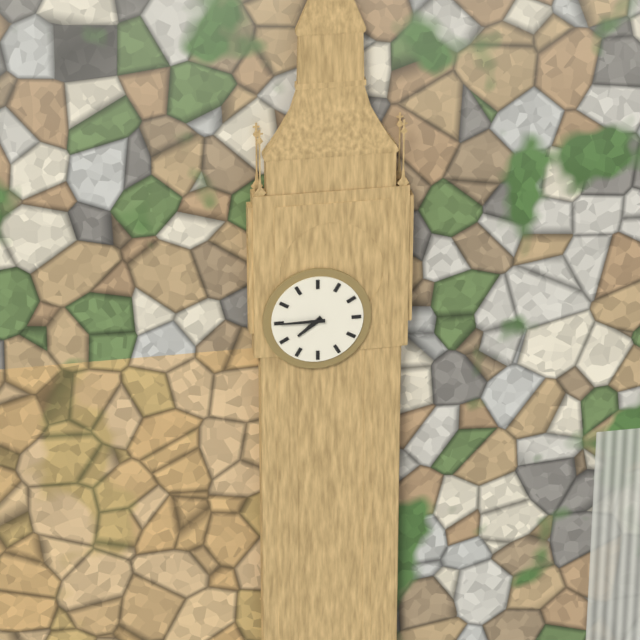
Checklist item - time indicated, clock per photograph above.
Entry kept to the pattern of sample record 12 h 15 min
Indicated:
7 h 45 min
